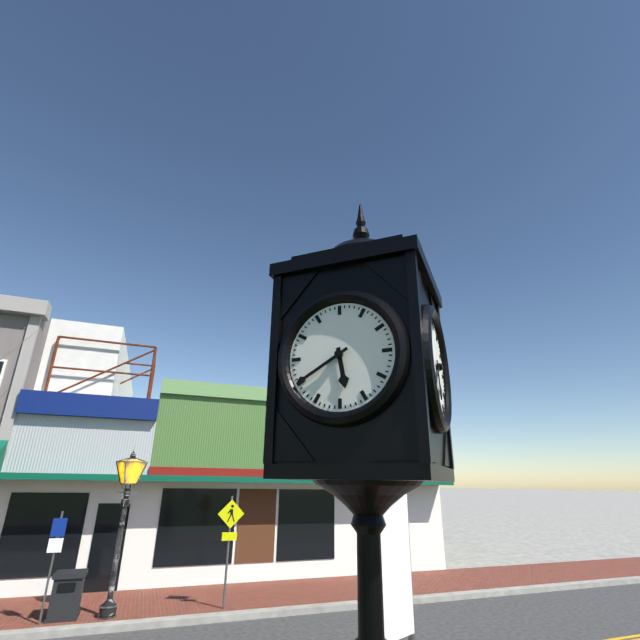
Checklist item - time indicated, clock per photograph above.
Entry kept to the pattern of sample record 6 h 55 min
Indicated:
5 h 40 min
